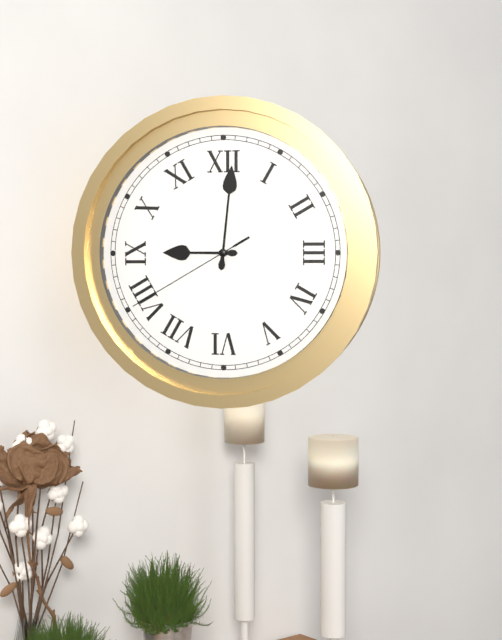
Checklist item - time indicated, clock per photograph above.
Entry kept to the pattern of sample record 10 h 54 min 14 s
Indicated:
9 h 01 min 40 s
